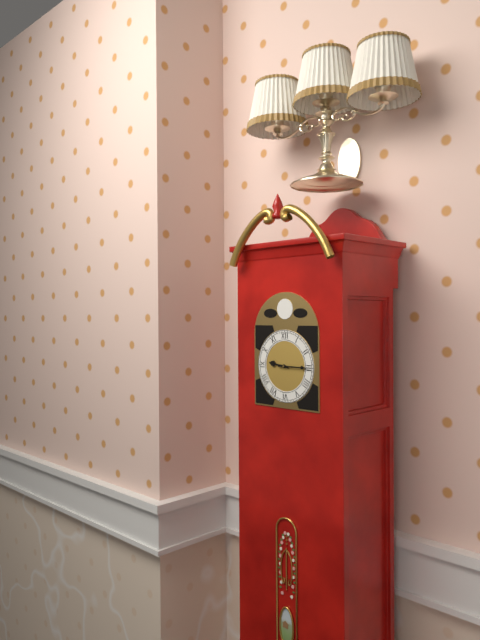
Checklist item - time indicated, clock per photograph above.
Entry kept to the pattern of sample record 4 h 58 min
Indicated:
9 h 15 min
